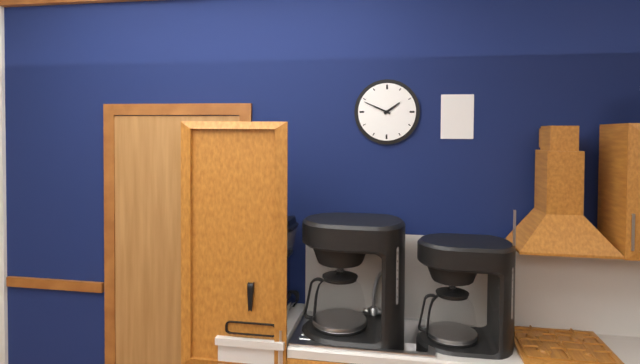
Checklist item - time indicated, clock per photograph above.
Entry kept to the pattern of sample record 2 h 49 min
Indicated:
1 h 49 min
